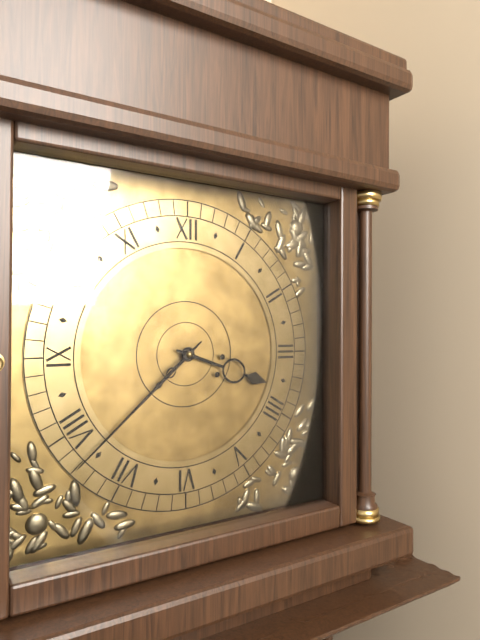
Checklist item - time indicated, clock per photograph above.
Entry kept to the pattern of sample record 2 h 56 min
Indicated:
3 h 38 min
